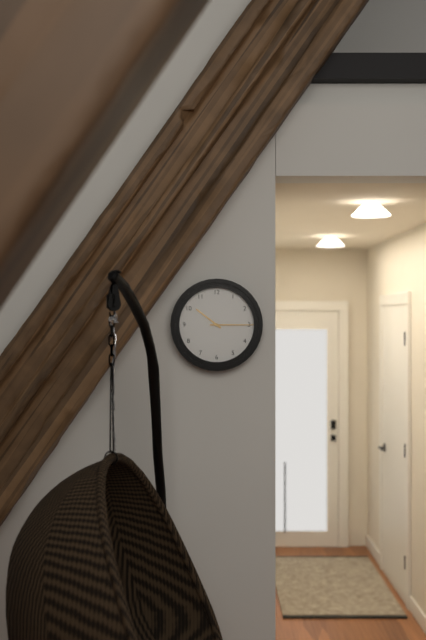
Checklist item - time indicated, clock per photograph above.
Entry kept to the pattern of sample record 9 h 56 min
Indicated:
10 h 15 min
